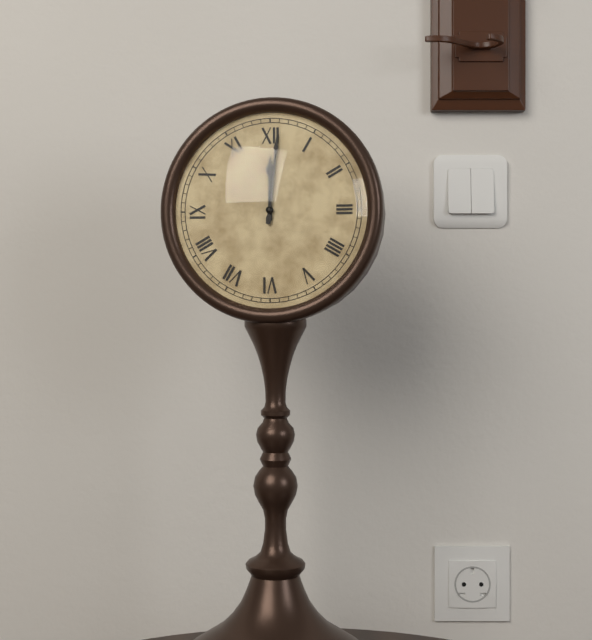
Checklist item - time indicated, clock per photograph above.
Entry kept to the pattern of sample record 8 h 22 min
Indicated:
12 h 01 min
